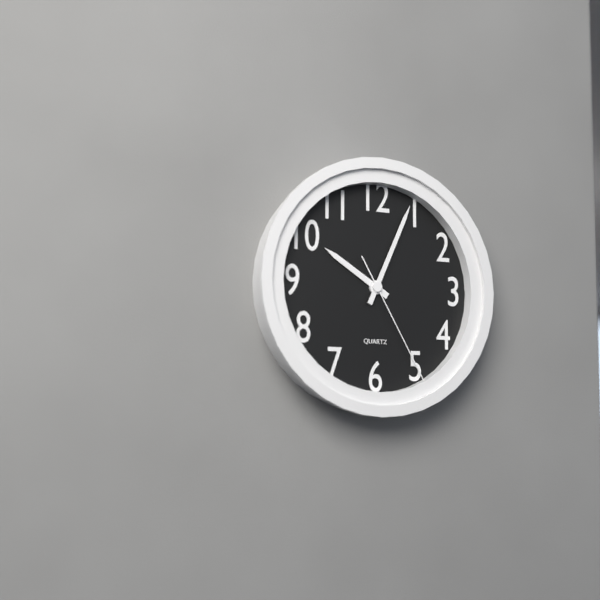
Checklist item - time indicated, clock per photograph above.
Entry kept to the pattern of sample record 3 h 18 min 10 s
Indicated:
10 h 04 min 25 s
